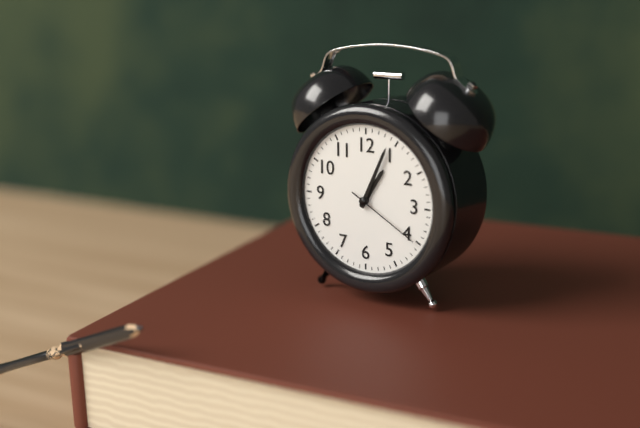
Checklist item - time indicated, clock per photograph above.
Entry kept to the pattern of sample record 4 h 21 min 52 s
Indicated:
1 h 04 min 20 s
